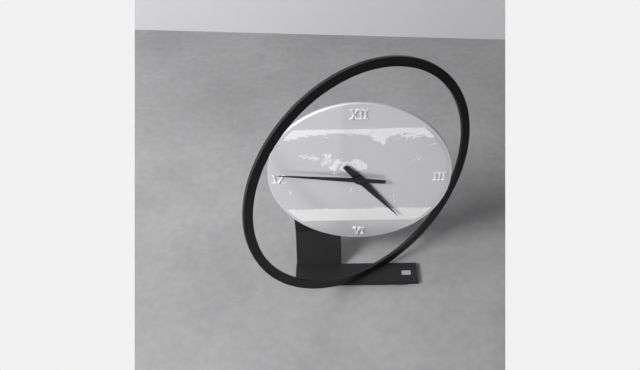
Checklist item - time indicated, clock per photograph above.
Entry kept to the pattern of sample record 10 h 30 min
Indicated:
4 h 46 min
